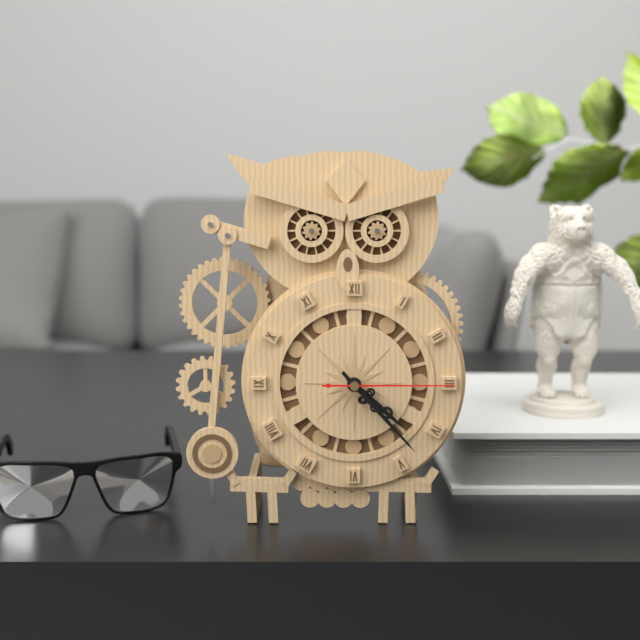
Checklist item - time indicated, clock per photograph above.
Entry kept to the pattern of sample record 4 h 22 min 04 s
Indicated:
4 h 23 min 15 s
